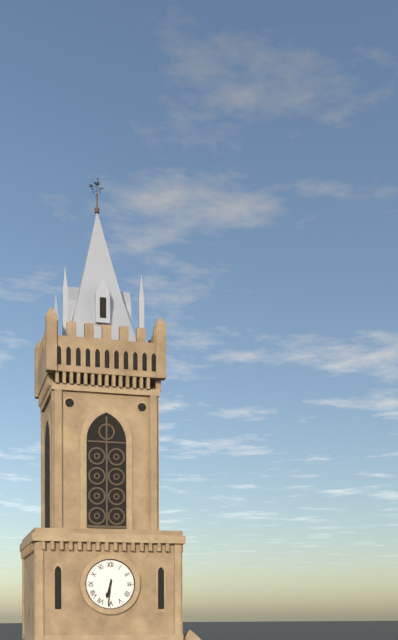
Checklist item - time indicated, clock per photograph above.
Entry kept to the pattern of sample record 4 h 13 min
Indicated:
6 h 31 min
